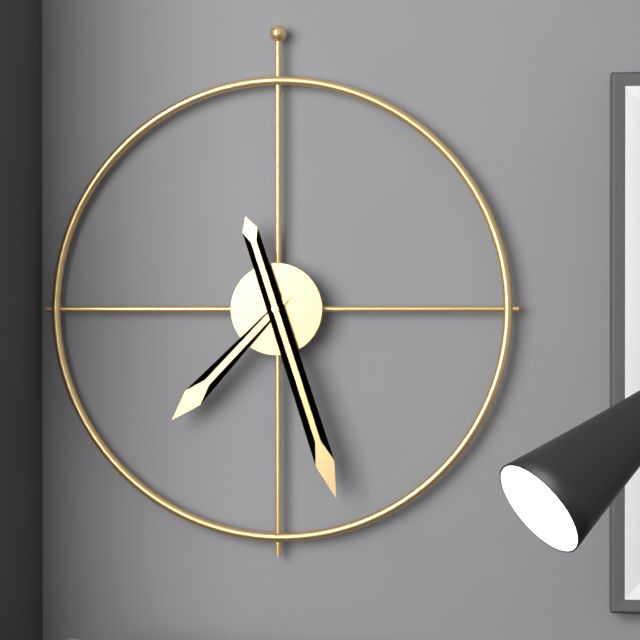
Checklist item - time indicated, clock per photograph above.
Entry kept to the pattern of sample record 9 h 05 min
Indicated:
7 h 27 min
